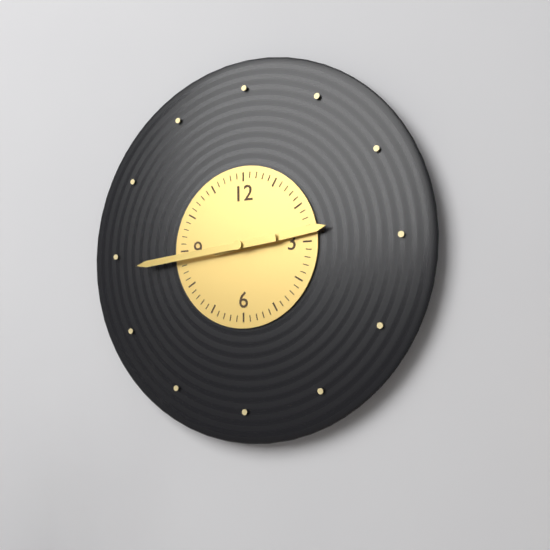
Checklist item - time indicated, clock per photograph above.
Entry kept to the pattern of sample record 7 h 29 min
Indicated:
2 h 44 min
